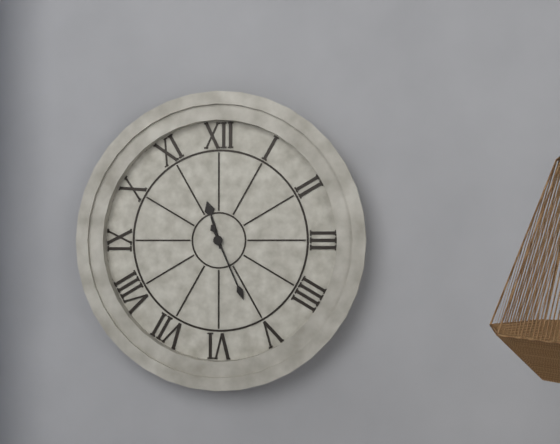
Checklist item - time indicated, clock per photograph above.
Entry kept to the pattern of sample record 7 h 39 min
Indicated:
11 h 26 min
